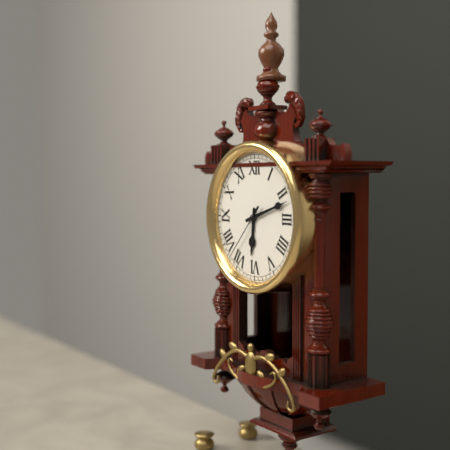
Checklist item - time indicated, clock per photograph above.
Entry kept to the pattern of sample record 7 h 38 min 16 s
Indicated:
6 h 12 min 37 s
